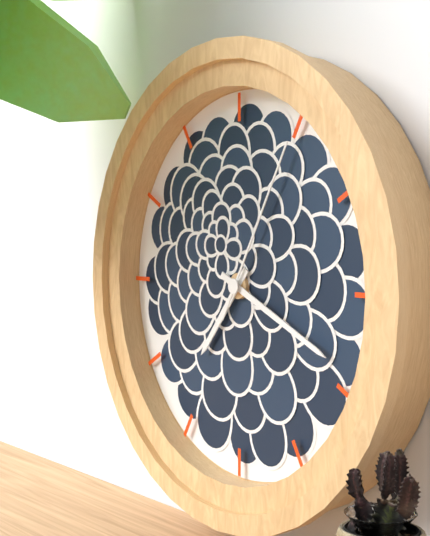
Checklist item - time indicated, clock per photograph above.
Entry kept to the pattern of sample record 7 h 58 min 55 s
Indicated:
7 h 19 min 05 s
